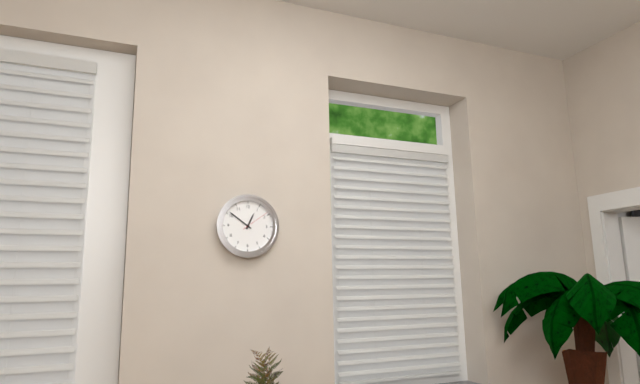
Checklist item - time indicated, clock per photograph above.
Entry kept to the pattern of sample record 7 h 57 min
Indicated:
12 h 51 min
